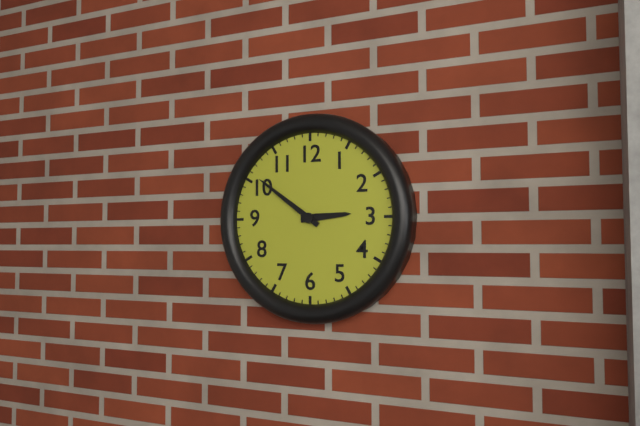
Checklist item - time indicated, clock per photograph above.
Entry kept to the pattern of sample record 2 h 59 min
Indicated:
2 h 51 min
